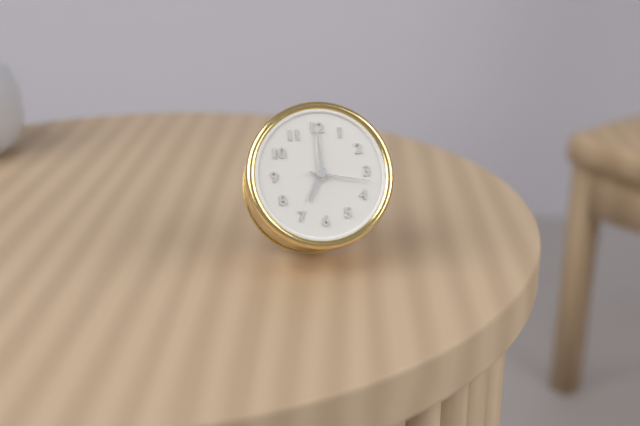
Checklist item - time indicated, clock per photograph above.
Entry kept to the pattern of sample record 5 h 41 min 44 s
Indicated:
7 h 00 min 17 s
